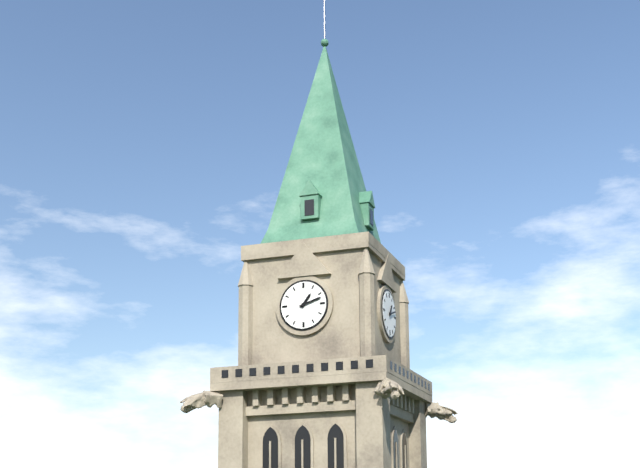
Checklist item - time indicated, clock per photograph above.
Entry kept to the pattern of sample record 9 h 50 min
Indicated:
1 h 12 min
